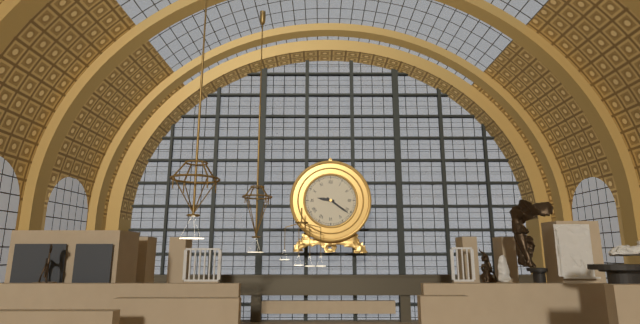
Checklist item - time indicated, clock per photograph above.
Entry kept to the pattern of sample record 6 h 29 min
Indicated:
9 h 21 min
